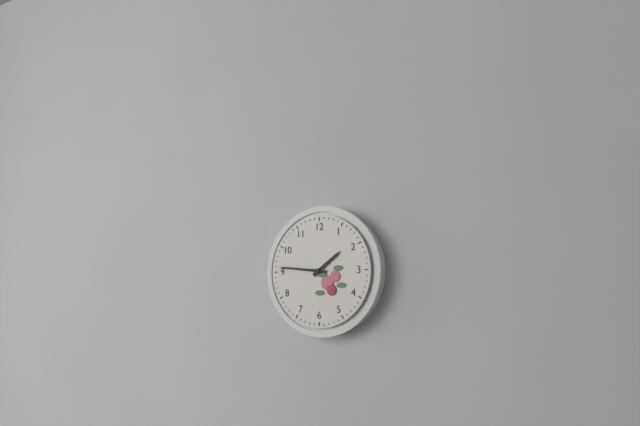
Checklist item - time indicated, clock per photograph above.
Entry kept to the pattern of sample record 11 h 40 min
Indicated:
1 h 46 min
